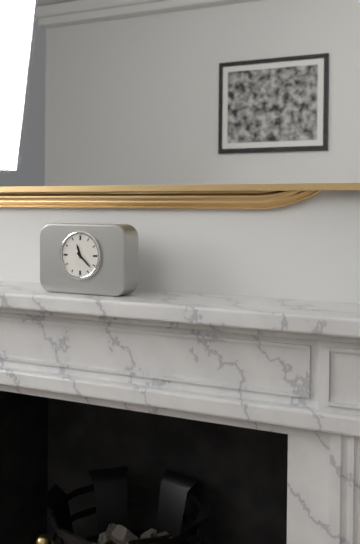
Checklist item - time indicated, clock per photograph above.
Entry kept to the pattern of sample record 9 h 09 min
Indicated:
11 h 22 min
